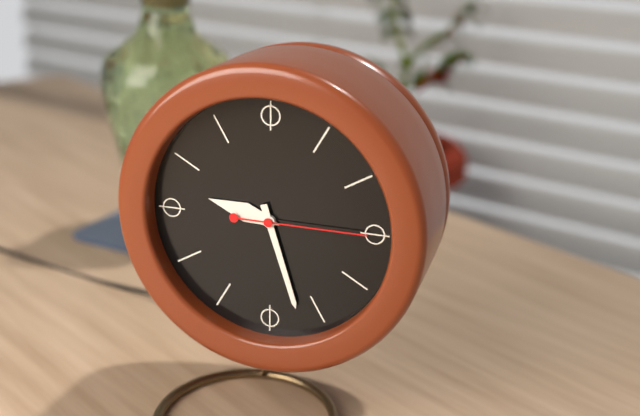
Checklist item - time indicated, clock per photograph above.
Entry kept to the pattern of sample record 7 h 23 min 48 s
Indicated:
9 h 27 min 15 s
